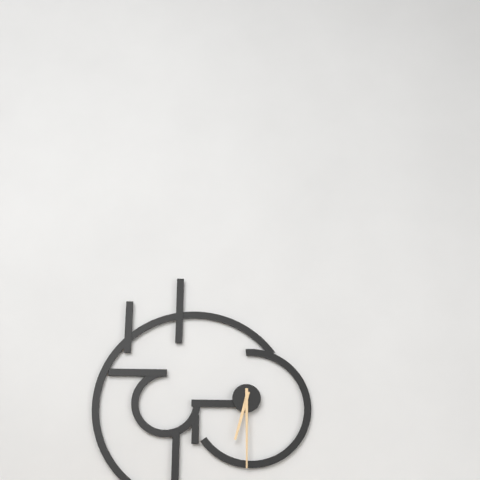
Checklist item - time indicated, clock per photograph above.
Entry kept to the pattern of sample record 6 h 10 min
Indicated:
6 h 30 min
